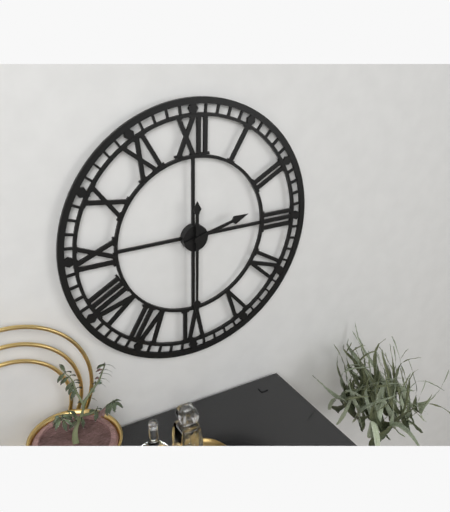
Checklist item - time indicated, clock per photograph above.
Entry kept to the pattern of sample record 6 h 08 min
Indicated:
2 h 30 min
